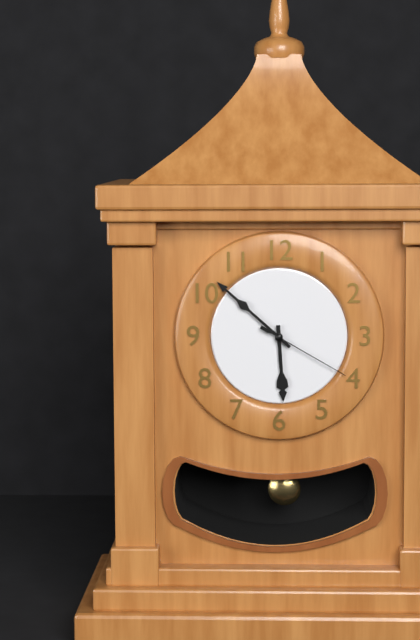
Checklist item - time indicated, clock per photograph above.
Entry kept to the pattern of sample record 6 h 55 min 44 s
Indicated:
5 h 52 min 20 s
